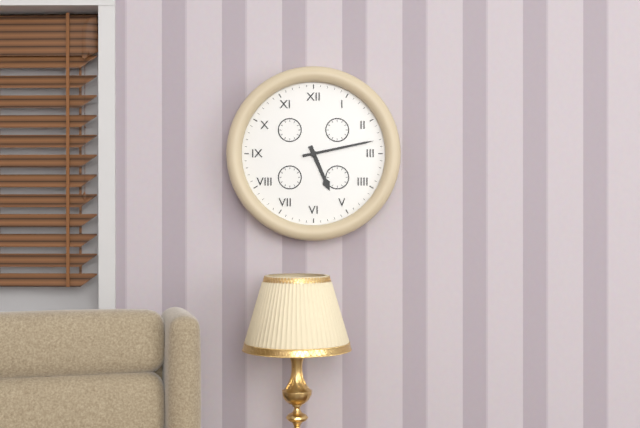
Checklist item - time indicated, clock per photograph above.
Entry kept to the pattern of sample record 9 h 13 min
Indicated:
5 h 13 min
